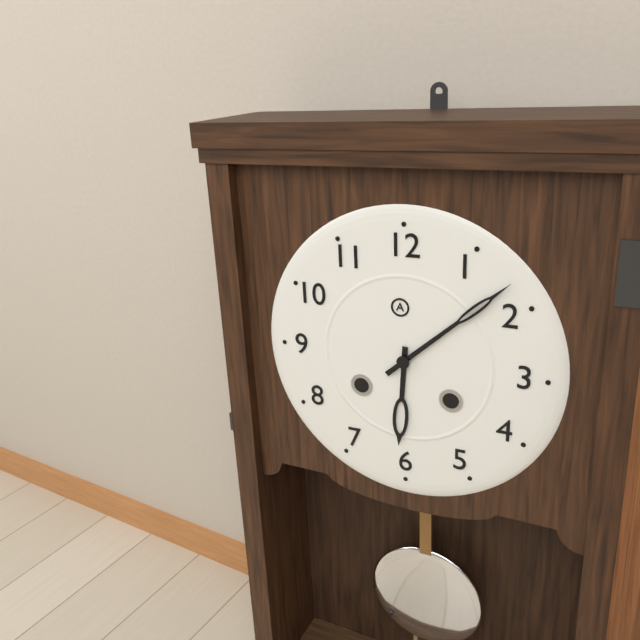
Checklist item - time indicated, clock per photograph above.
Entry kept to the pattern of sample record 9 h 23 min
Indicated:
6 h 08 min
